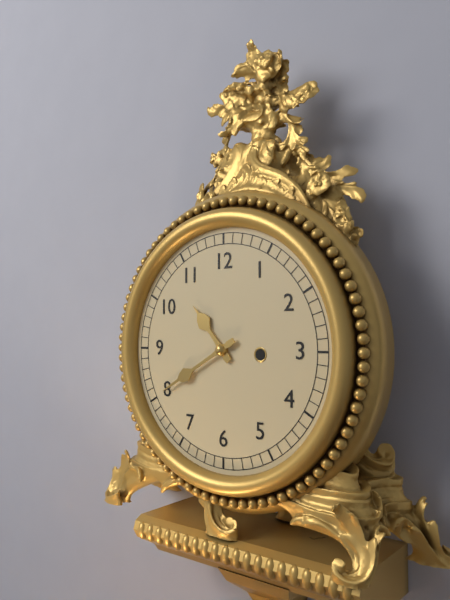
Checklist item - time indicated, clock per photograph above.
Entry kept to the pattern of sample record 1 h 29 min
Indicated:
10 h 40 min
